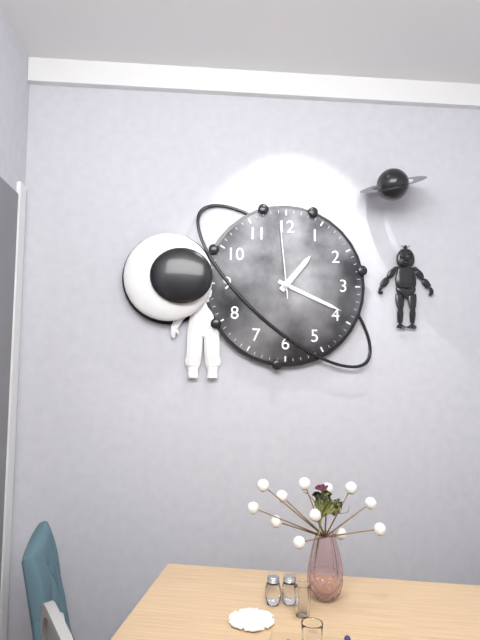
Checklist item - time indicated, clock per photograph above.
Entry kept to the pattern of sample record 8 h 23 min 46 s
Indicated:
1 h 19 min 59 s
